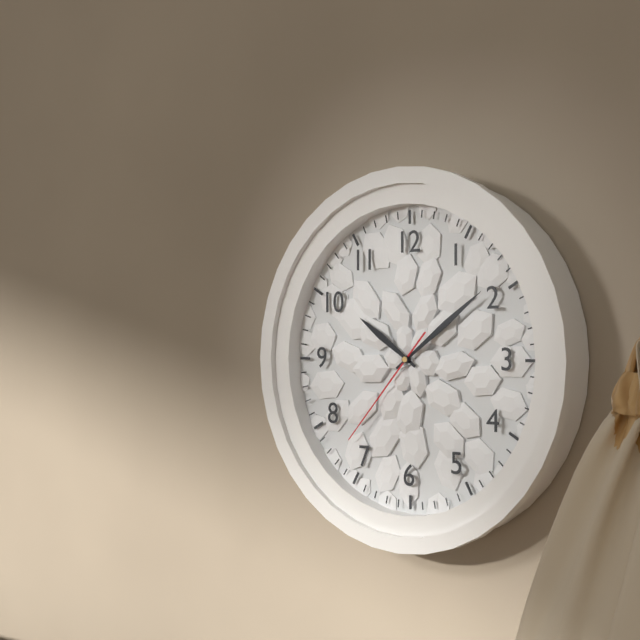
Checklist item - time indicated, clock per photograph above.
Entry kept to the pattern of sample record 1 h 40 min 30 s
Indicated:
10 h 09 min 37 s
